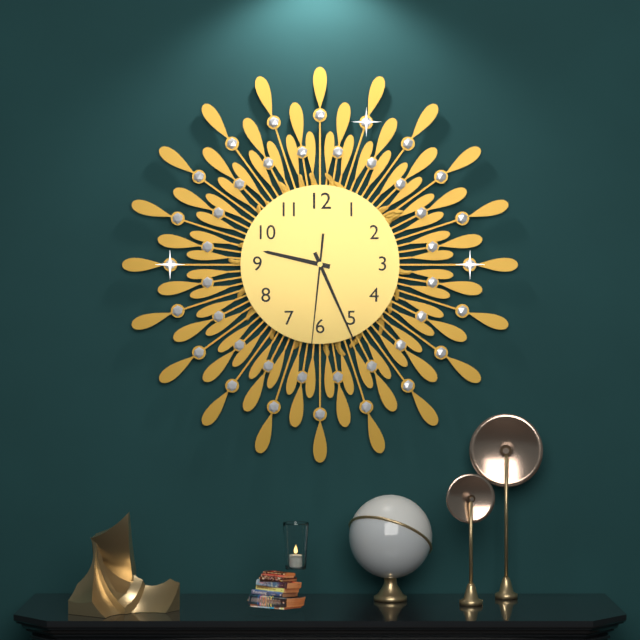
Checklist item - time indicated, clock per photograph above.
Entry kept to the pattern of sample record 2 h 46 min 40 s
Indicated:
9 h 26 min 31 s
